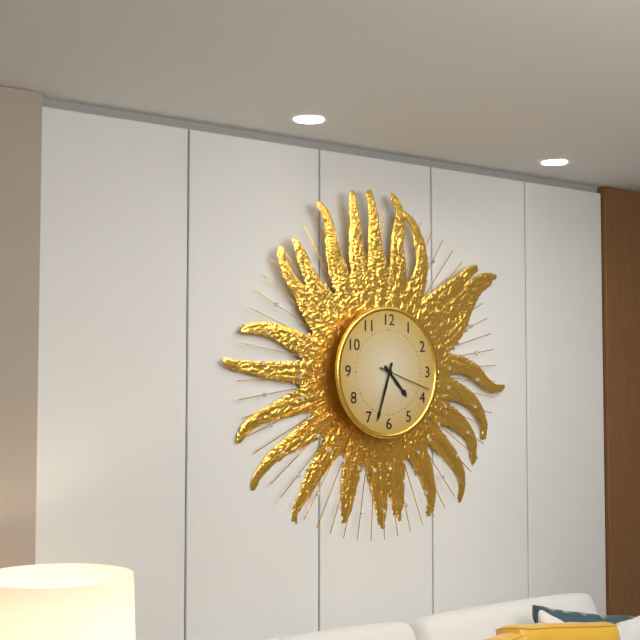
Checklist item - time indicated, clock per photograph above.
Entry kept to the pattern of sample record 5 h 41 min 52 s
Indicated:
4 h 33 min 18 s
